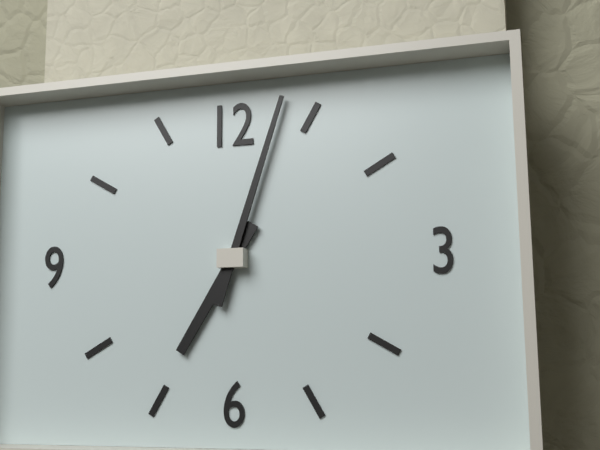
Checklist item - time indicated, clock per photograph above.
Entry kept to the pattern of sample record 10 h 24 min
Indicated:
7 h 03 min
